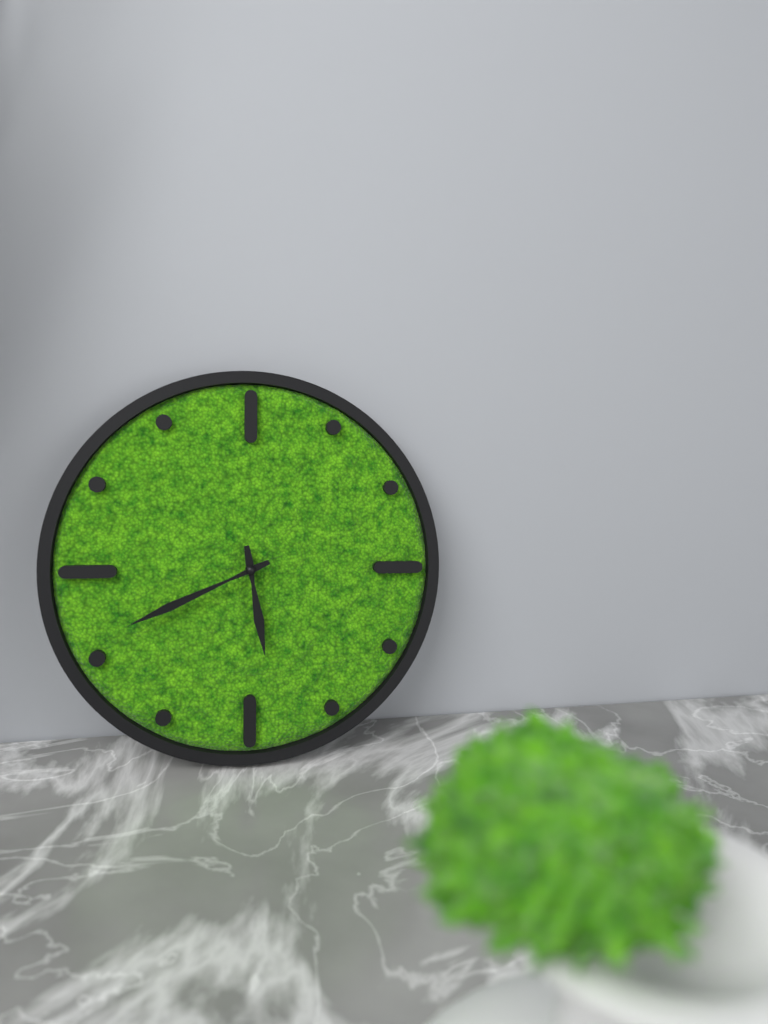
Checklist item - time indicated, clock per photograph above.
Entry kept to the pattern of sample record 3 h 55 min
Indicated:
5 h 41 min
